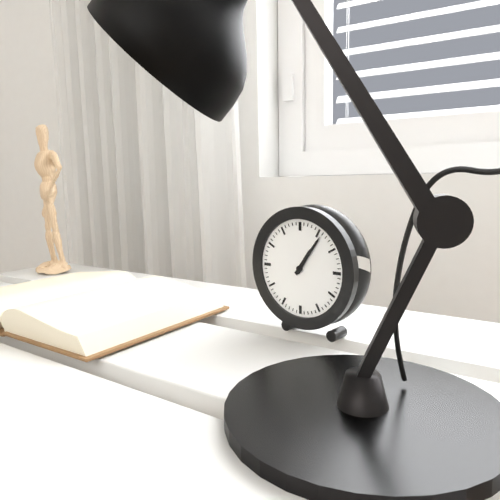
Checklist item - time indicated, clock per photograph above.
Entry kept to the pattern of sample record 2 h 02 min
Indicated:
1 h 06 min
